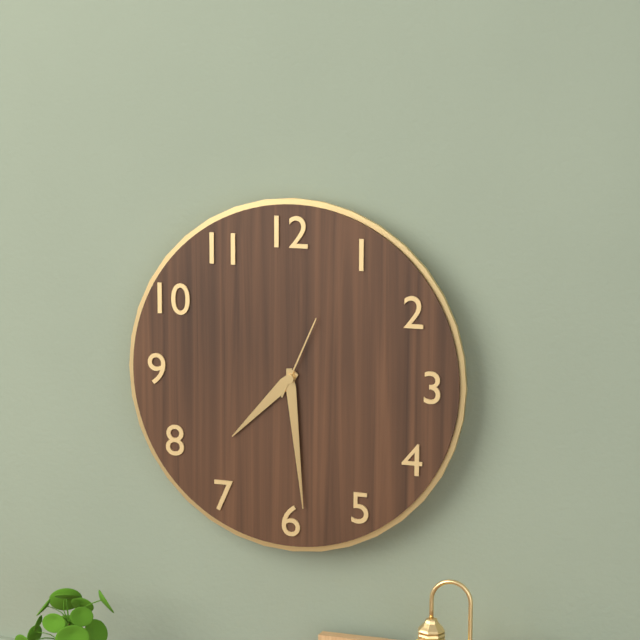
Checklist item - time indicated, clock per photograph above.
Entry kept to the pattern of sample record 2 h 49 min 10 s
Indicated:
7 h 29 min 04 s
